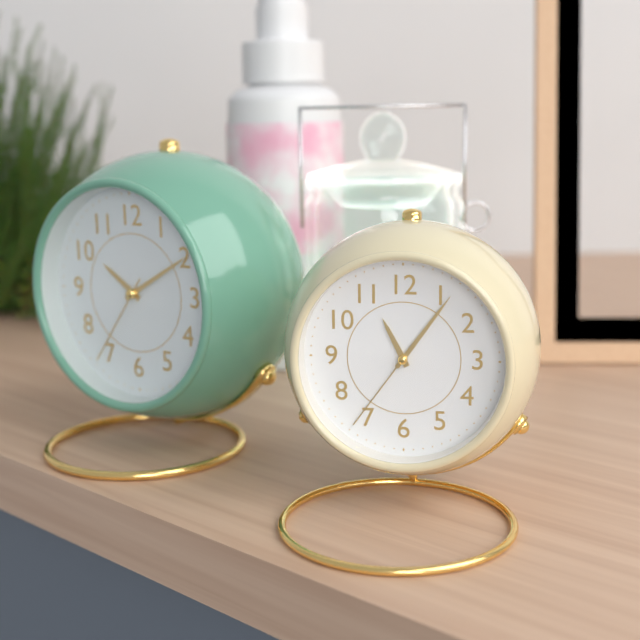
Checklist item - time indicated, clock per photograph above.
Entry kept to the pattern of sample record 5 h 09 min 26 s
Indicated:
11 h 06 min 36 s
